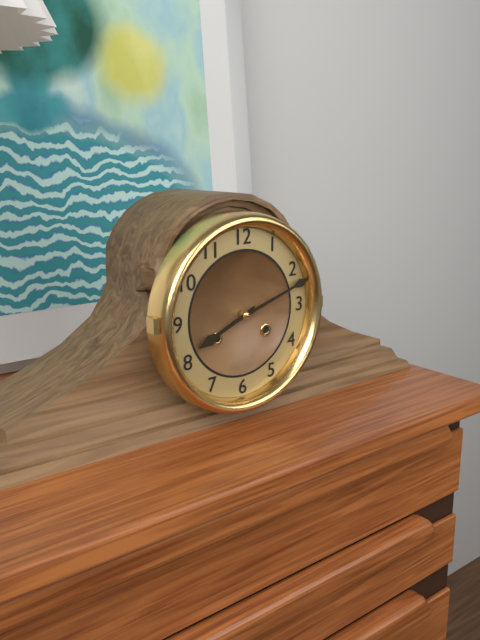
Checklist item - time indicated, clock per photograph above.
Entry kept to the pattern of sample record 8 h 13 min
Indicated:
8 h 12 min
